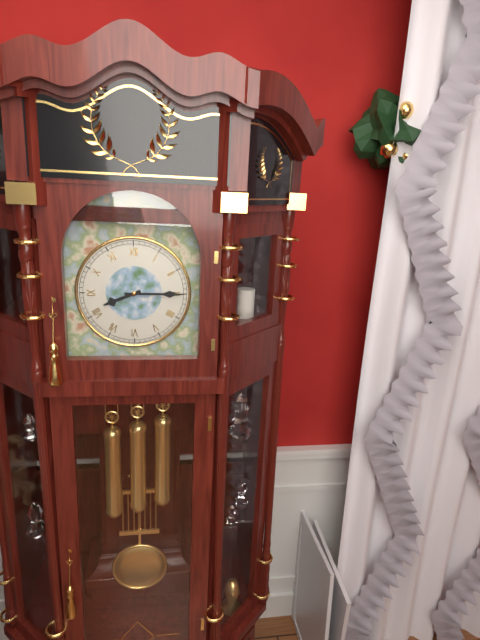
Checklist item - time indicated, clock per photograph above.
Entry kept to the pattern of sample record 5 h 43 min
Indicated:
8 h 15 min
